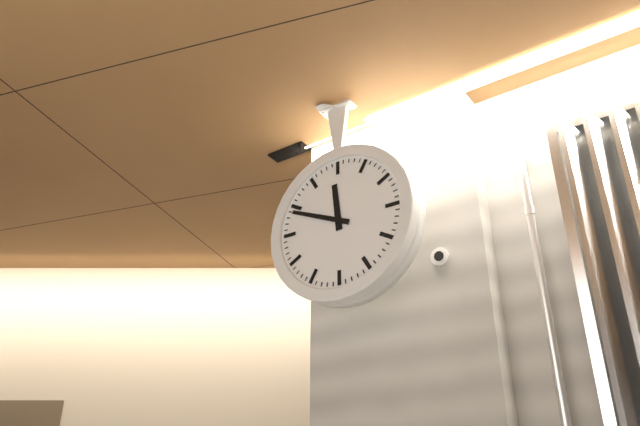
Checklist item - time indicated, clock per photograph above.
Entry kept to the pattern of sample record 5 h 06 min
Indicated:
11 h 49 min
